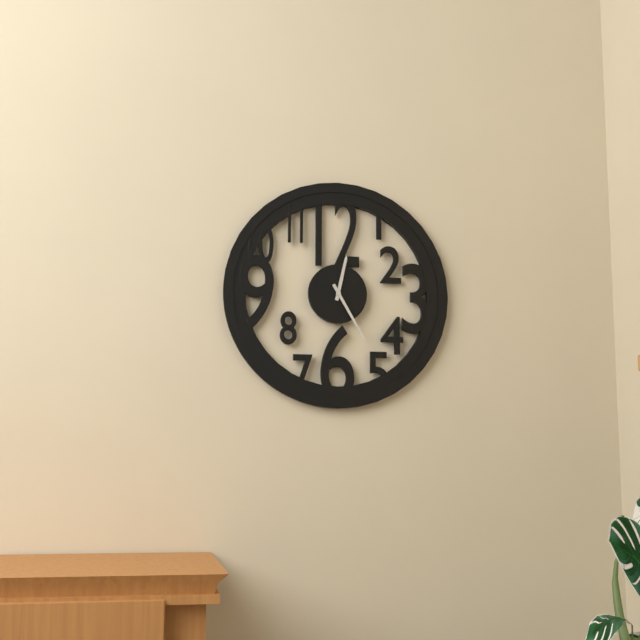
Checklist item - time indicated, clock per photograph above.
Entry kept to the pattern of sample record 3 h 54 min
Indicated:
12 h 25 min
